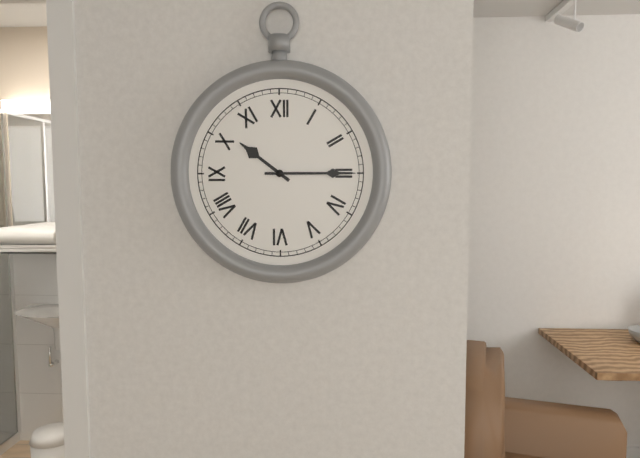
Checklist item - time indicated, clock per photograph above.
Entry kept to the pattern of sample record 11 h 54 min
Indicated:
10 h 15 min
